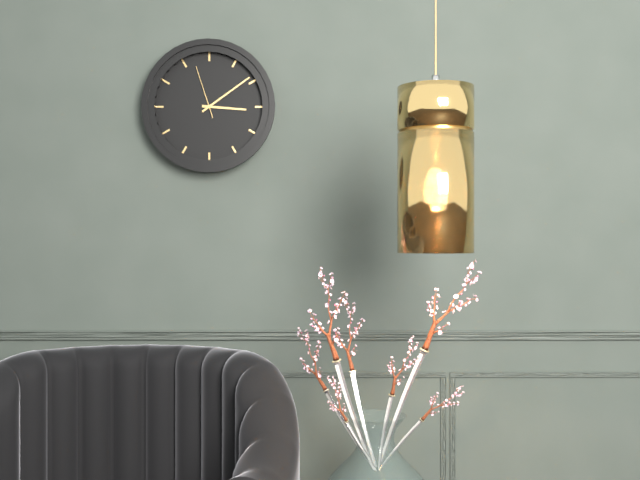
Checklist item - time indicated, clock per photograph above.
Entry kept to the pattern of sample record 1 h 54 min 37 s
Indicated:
3 h 09 min 57 s
